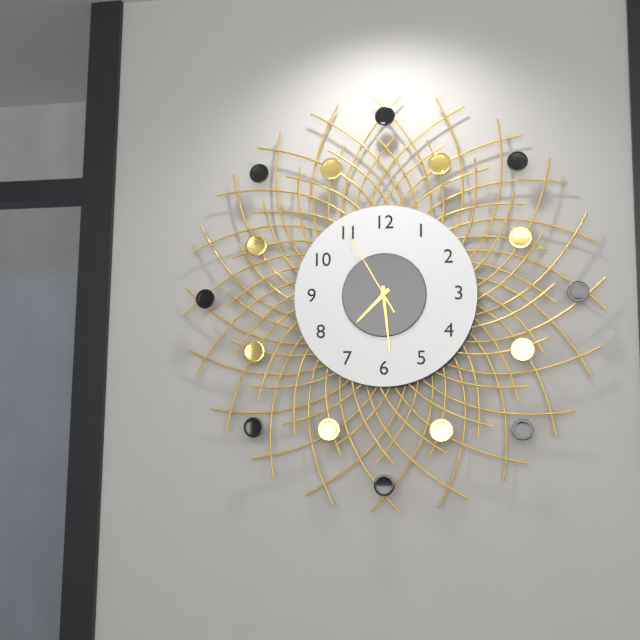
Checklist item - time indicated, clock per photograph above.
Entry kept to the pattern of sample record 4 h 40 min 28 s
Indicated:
7 h 29 min 55 s
